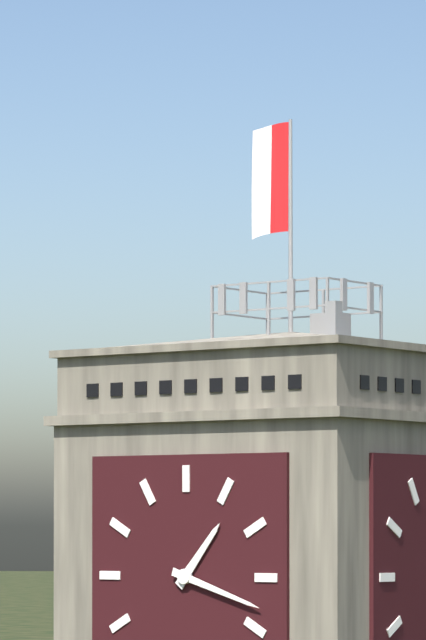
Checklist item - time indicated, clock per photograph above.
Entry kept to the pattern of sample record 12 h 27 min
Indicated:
1 h 18 min
